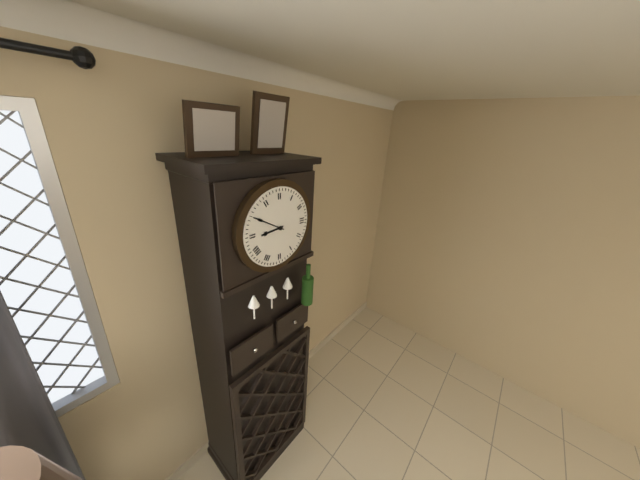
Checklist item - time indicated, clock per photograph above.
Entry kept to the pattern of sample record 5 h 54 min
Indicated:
8 h 50 min
